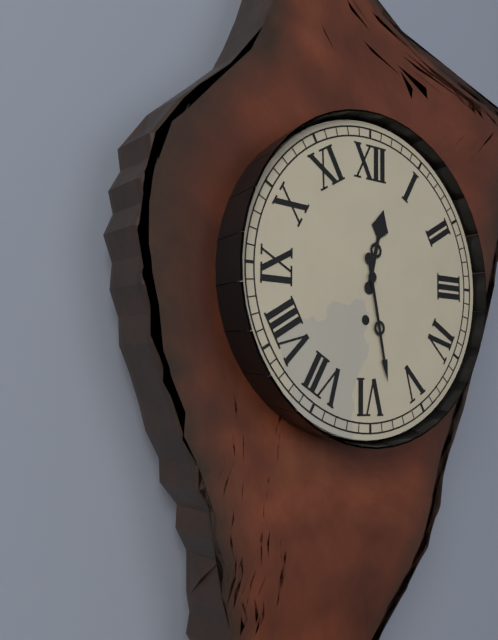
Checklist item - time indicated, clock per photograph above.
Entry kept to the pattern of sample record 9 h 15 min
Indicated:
12 h 28 min
